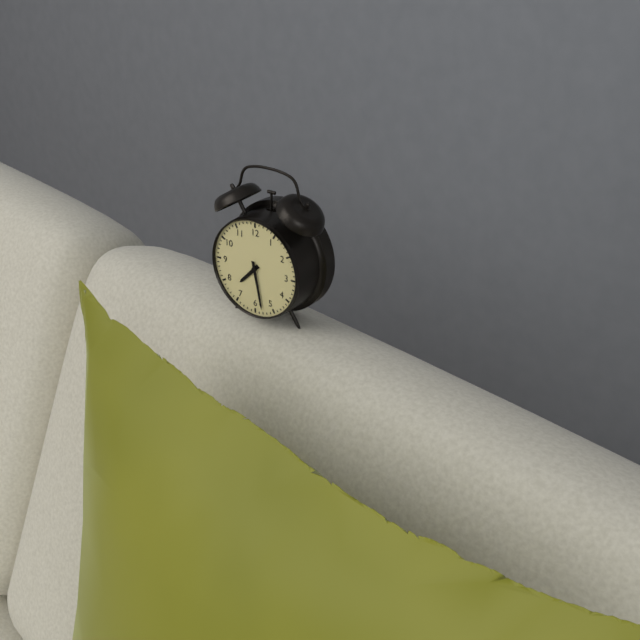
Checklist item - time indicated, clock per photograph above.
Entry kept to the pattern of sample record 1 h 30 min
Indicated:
7 h 28 min
